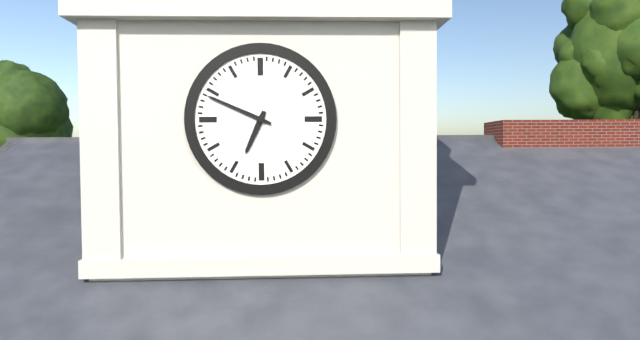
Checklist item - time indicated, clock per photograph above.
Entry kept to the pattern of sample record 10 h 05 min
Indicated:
6 h 49 min
